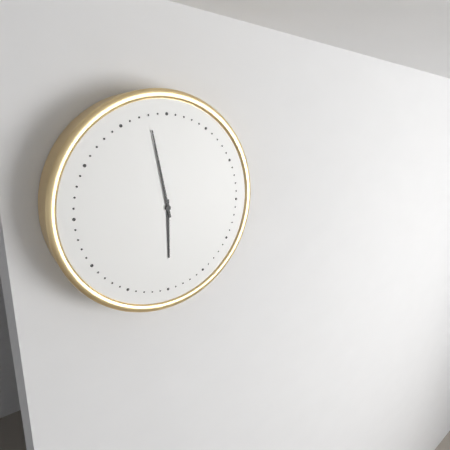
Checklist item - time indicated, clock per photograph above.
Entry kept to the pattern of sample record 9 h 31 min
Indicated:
5 h 58 min
